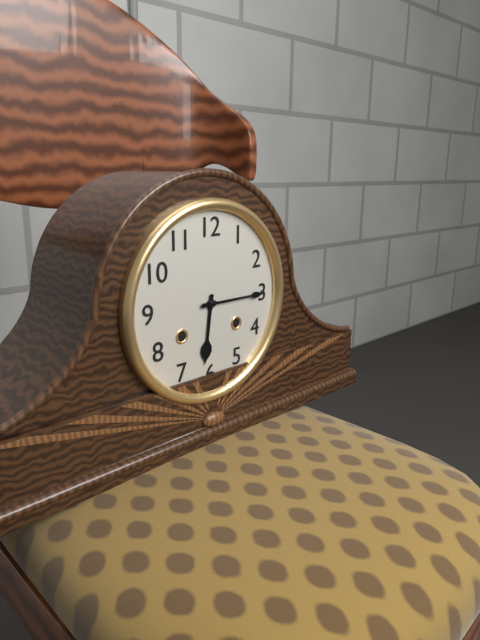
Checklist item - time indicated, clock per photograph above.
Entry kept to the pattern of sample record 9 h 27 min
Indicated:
6 h 15 min
